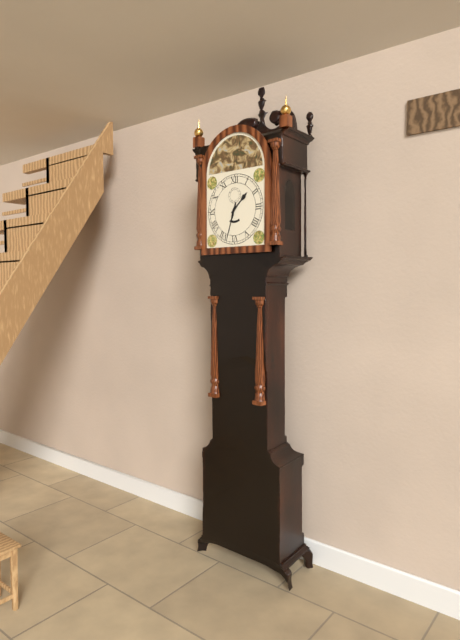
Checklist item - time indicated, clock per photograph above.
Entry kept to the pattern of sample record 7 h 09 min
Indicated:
1 h 33 min
